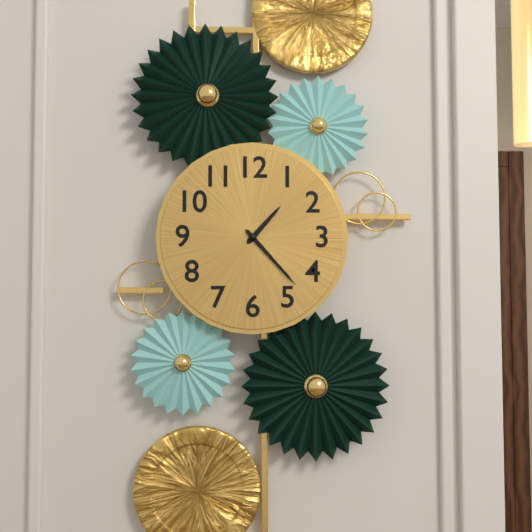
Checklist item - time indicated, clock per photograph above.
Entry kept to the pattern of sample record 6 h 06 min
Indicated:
1 h 23 min
